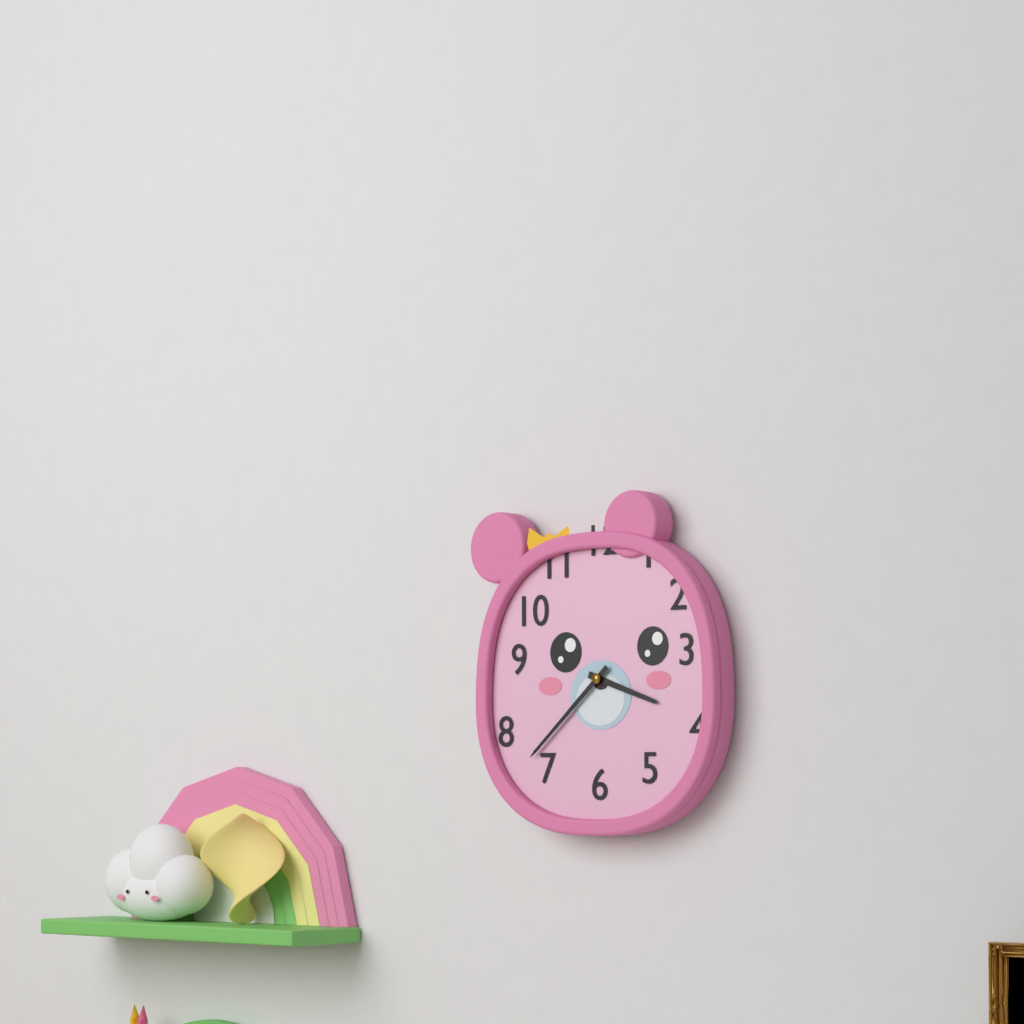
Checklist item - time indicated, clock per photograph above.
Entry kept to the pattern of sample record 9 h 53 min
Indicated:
3 h 38 min
